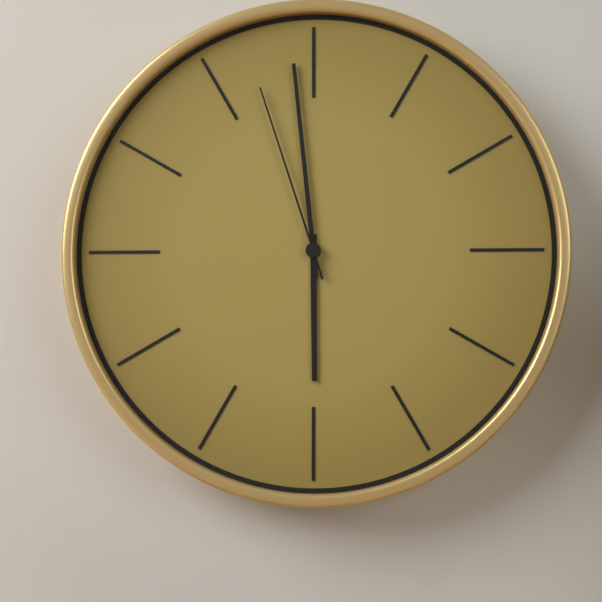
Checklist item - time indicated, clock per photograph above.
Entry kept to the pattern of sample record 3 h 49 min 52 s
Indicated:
5 h 59 min 57 s
